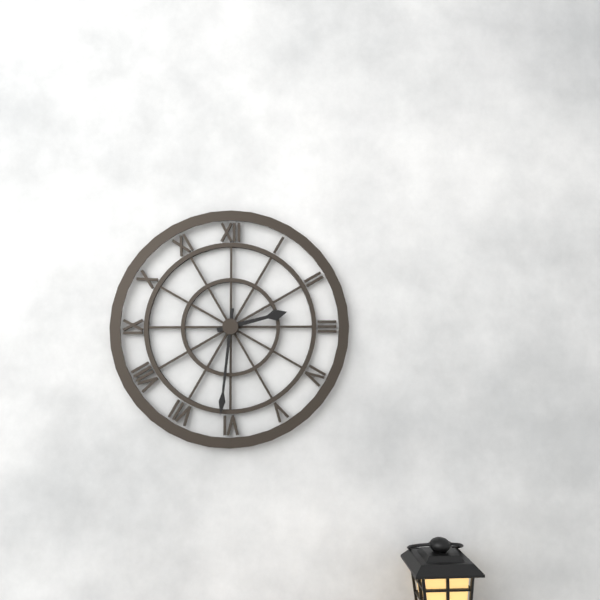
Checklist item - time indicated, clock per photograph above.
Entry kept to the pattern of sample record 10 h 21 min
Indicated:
2 h 31 min
